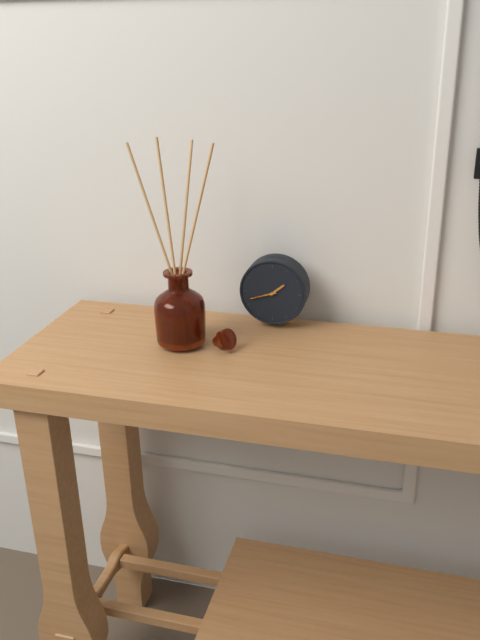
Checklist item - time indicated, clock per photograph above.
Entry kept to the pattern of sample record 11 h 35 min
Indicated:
1 h 42 min
